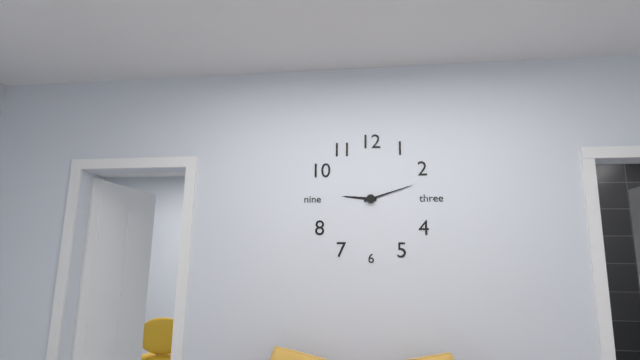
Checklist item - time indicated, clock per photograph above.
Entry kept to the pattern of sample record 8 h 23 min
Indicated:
9 h 12 min
